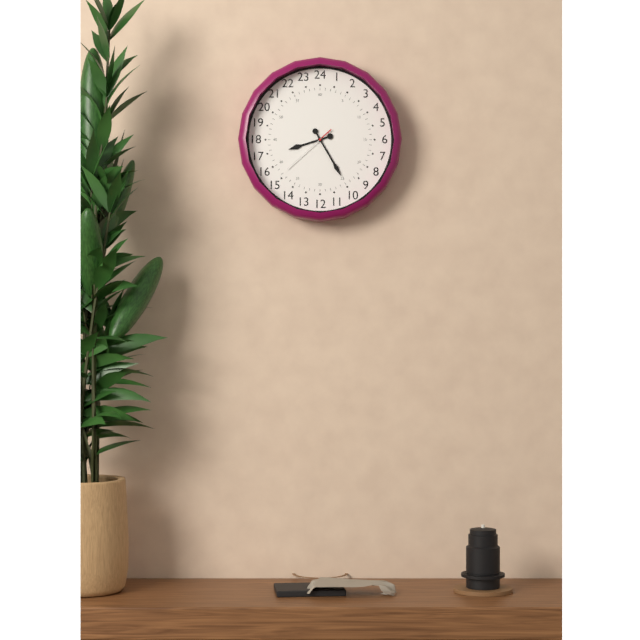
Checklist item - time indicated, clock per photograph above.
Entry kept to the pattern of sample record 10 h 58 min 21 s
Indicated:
8 h 25 min 38 s
